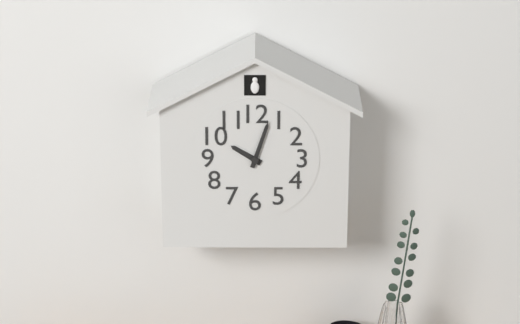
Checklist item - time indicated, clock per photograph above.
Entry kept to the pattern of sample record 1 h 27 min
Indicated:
10 h 03 min
